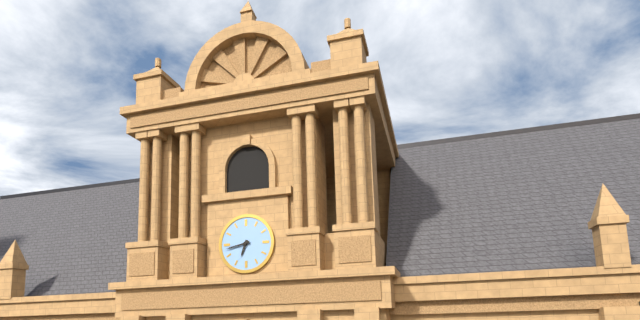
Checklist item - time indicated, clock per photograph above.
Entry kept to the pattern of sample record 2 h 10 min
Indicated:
6 h 43 min
